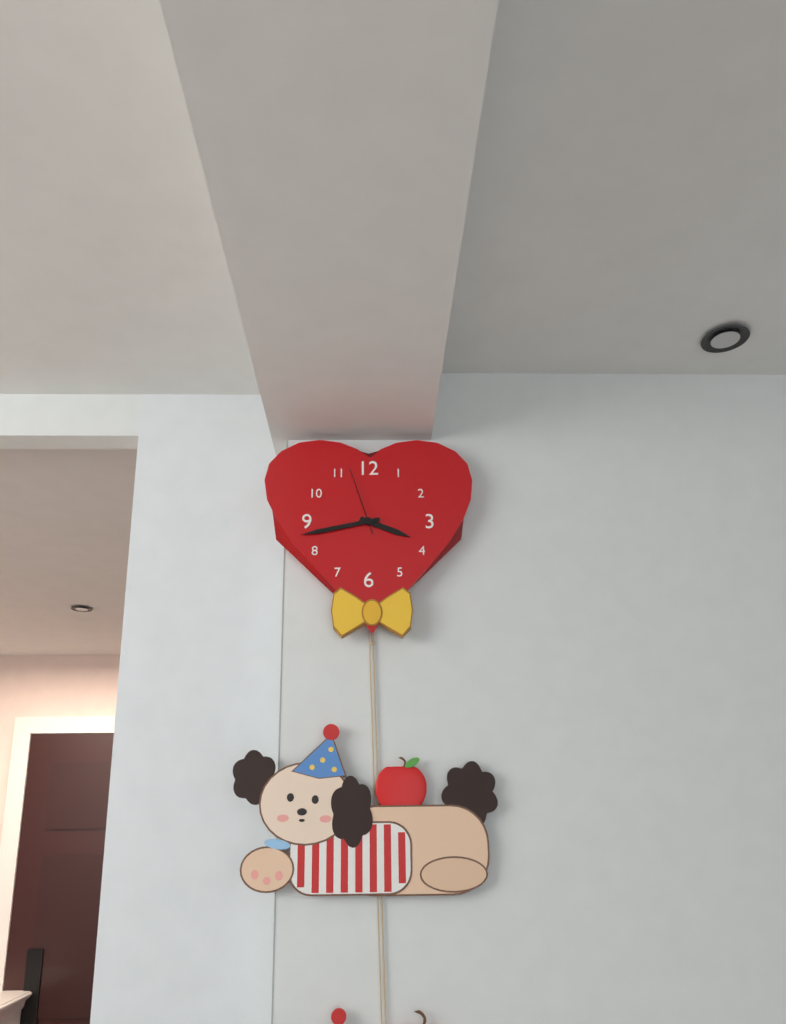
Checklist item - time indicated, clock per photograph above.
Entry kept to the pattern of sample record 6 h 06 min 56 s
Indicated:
3 h 43 min 57 s
